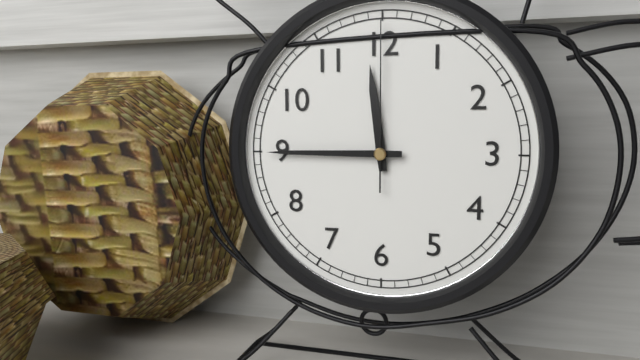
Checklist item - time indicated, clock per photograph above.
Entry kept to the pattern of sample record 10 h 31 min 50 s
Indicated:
11 h 45 min 00 s
